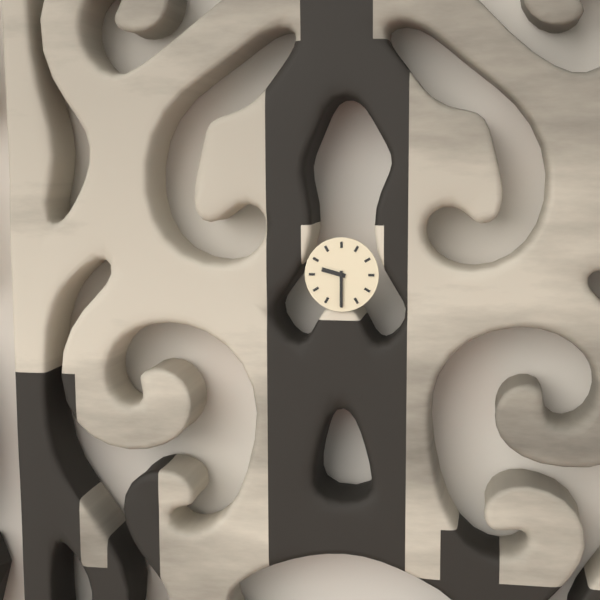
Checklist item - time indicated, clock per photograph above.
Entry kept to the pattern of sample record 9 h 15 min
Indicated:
9 h 30 min
